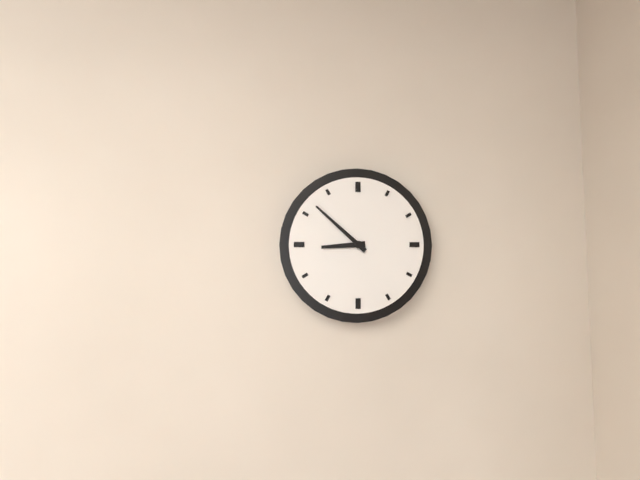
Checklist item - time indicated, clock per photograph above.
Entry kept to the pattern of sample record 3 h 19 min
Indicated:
8 h 52 min
